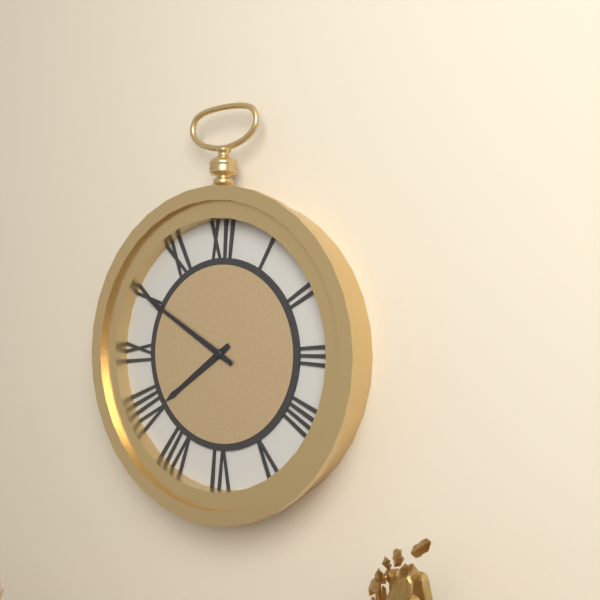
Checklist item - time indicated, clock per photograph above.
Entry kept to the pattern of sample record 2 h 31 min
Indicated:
7 h 50 min
